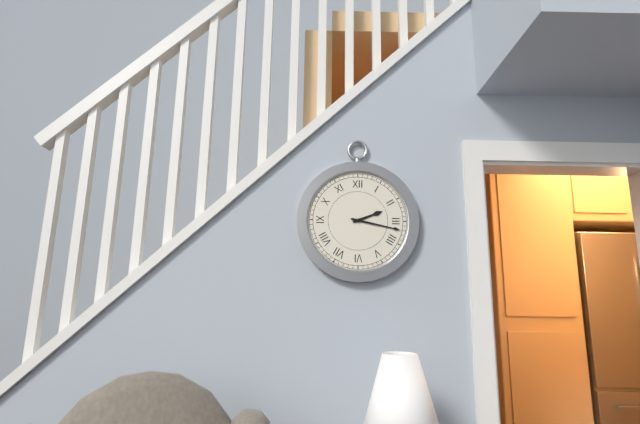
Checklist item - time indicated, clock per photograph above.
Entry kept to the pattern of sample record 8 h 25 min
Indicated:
2 h 17 min
